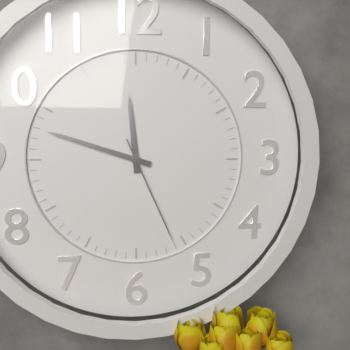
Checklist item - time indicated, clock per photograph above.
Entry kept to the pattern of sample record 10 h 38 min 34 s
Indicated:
11 h 48 min 26 s
